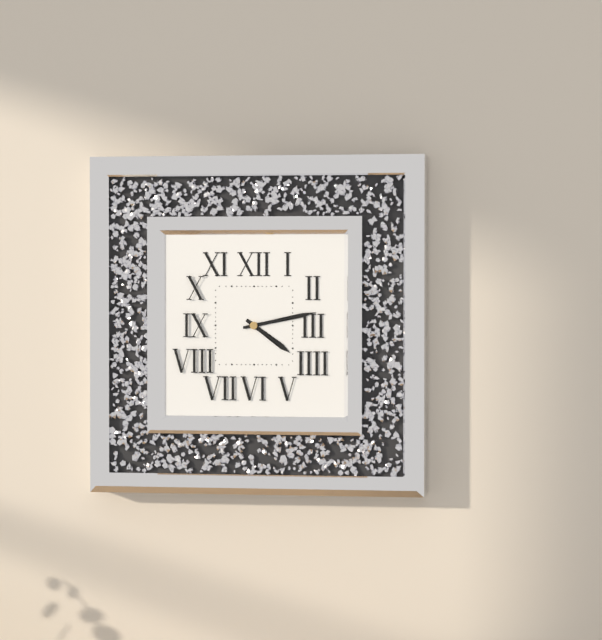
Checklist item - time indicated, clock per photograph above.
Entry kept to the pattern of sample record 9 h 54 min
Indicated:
4 h 13 min
